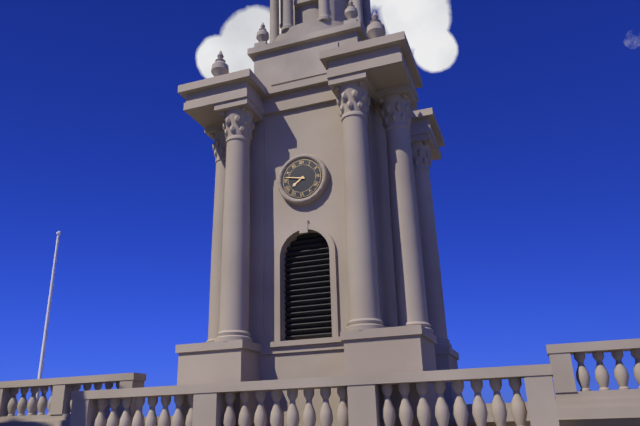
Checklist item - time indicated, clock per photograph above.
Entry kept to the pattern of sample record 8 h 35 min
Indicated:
7 h 47 min
